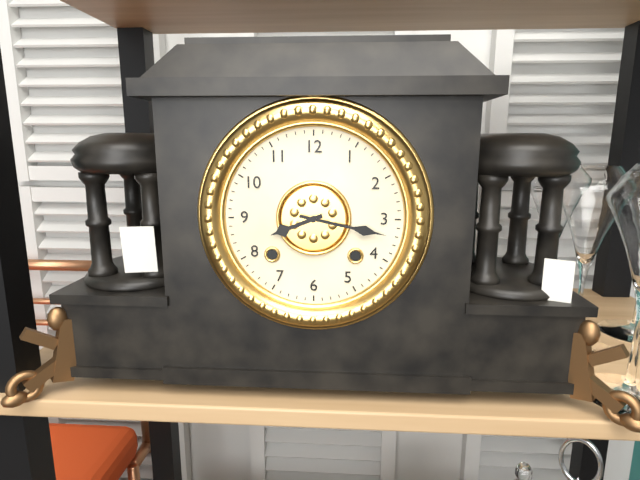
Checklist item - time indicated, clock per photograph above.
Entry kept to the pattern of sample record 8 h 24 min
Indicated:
8 h 17 min
